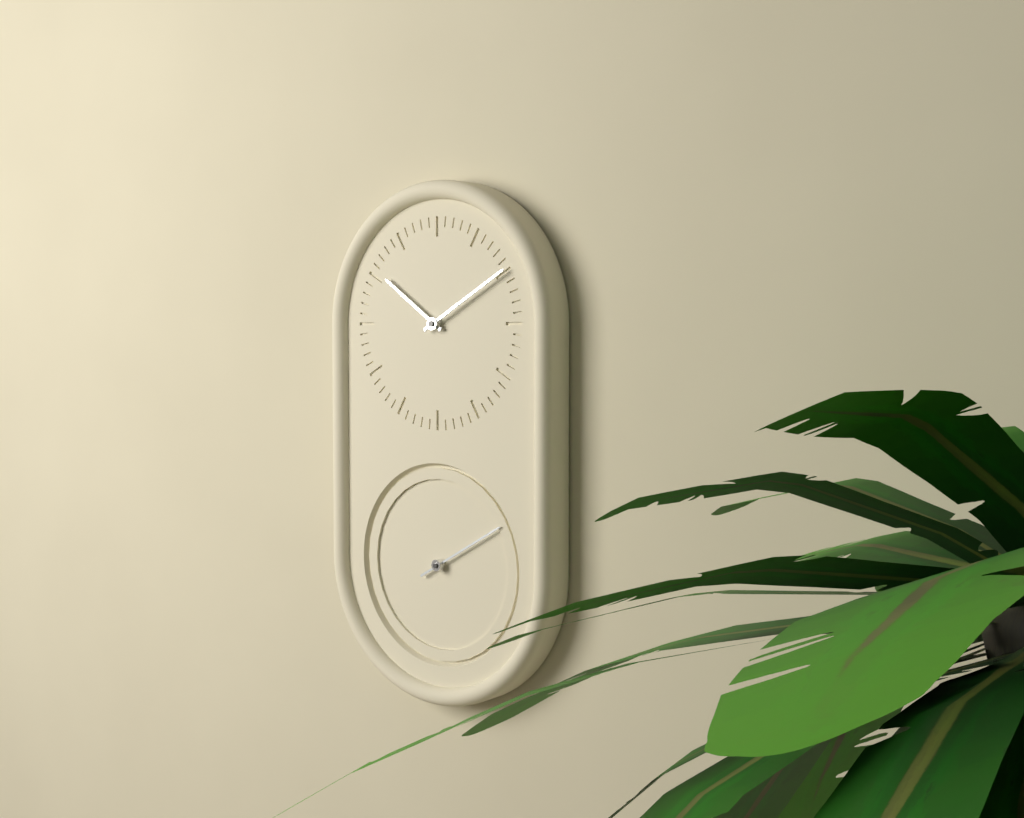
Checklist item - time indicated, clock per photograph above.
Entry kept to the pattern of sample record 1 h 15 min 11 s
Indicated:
10 h 10 min 10 s
